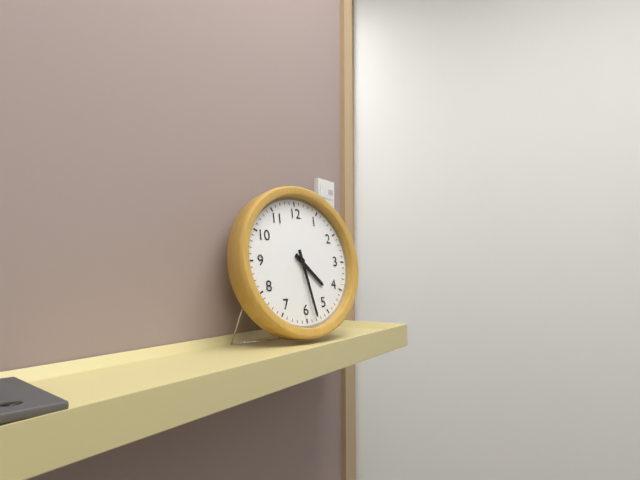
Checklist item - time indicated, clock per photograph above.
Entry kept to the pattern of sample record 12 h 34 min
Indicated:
4 h 28 min
